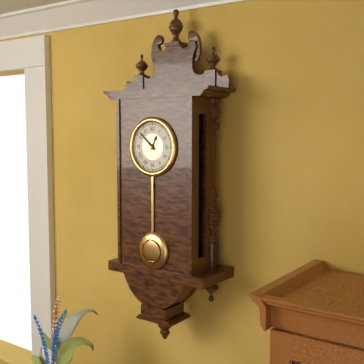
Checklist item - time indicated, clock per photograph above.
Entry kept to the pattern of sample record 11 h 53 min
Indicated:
12 h 52 min
